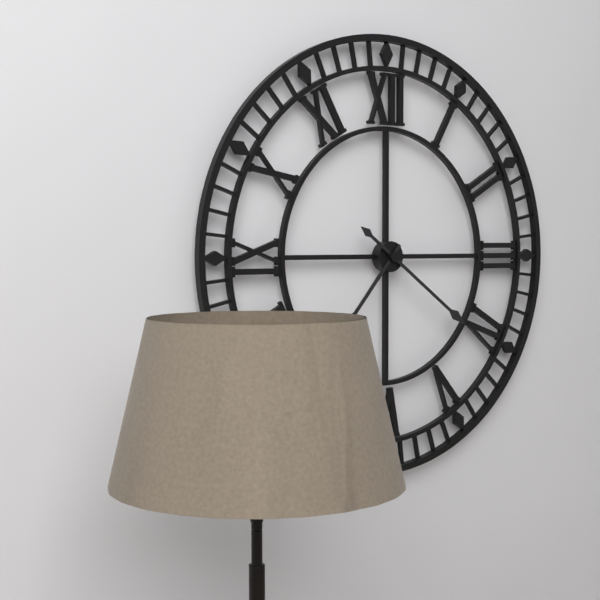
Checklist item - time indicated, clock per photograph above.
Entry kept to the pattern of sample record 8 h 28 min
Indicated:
7 h 21 min
